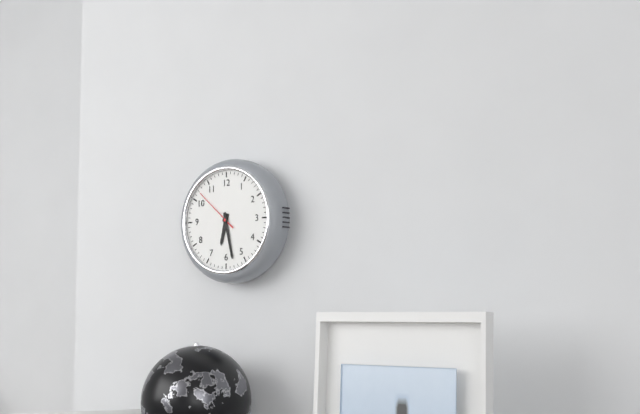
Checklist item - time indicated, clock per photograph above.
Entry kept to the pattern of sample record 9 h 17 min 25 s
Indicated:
6 h 28 min 52 s
